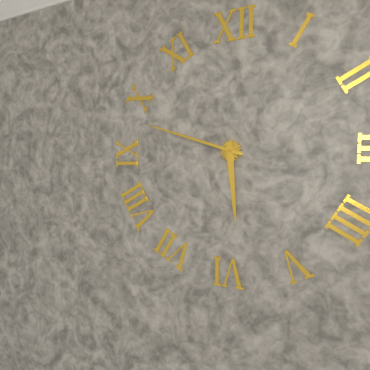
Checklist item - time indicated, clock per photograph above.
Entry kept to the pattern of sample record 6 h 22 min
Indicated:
5 h 48 min
